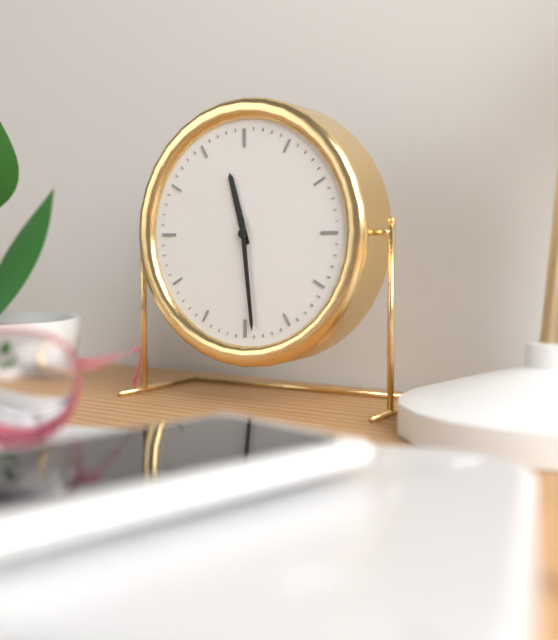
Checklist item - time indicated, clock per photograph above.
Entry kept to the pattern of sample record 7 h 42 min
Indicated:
11 h 29 min
